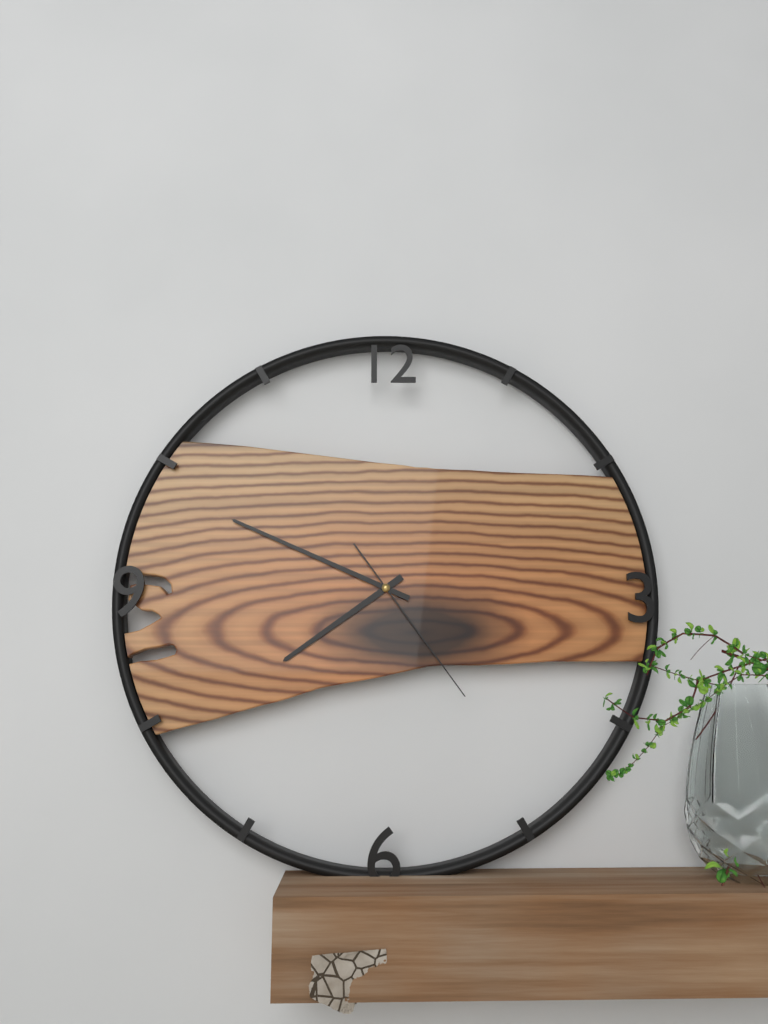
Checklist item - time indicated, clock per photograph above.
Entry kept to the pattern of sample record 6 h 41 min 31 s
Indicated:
7 h 49 min 24 s
